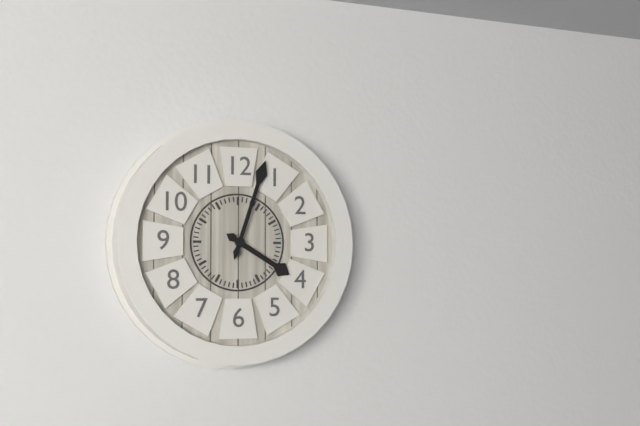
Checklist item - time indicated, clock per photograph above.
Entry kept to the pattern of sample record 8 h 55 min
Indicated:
4 h 03 min
